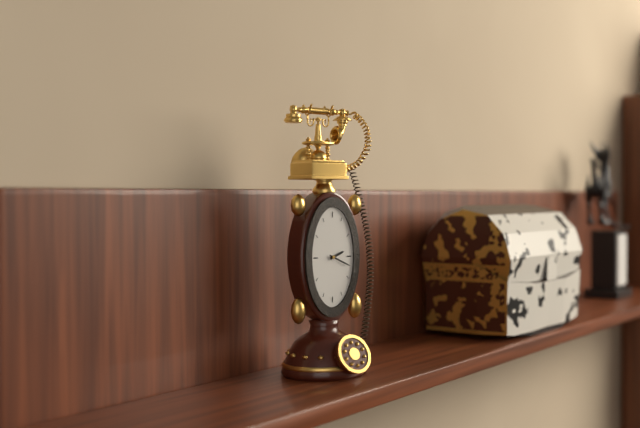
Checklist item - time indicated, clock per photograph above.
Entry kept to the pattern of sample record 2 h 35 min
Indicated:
2 h 19 min
